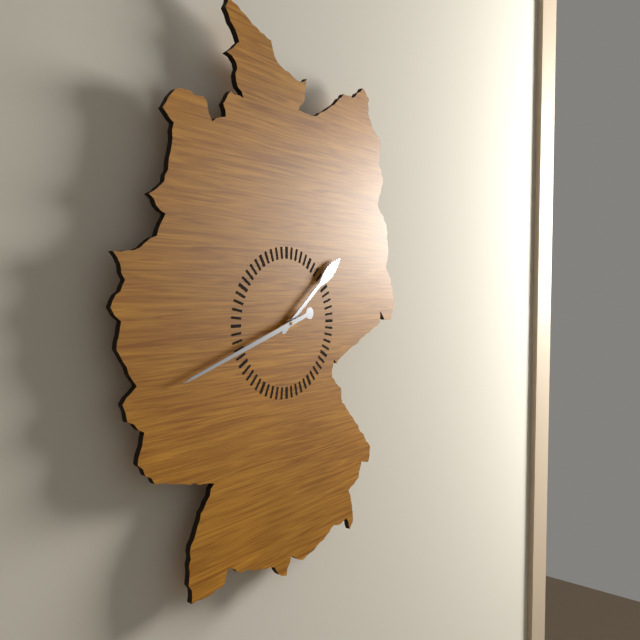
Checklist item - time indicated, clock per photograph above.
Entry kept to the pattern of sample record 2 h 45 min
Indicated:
1 h 42 min
